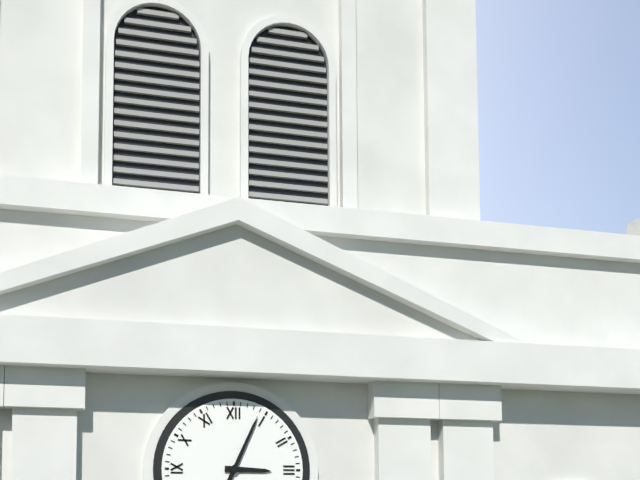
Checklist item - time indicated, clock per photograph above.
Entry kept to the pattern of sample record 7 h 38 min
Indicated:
3 h 04 min
